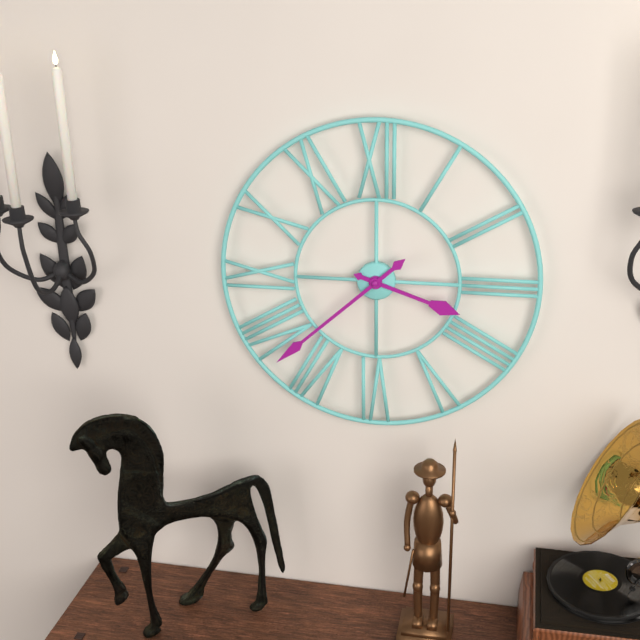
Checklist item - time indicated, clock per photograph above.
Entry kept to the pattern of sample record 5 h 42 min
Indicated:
3 h 38 min
